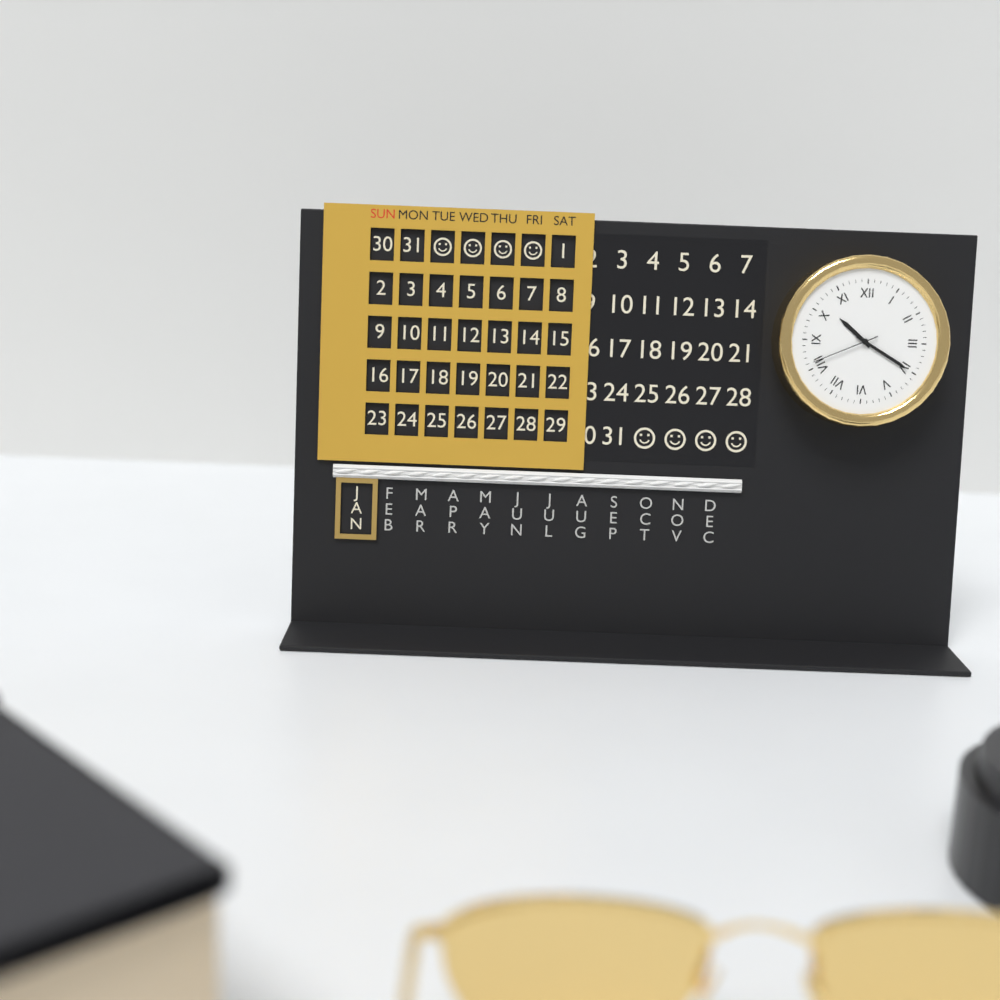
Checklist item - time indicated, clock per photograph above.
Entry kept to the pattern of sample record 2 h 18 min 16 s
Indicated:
10 h 20 min 41 s
